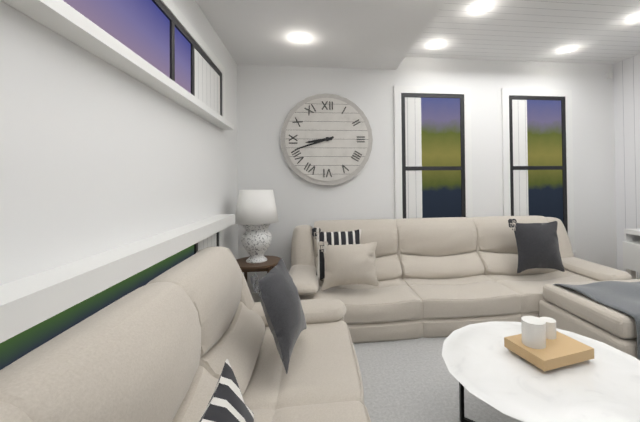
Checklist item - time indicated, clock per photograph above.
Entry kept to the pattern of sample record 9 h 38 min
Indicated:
8 h 42 min
